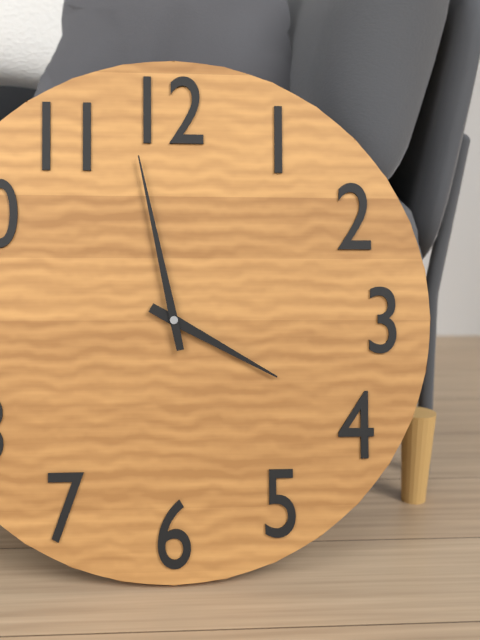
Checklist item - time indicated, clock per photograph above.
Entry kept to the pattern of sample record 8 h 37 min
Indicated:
3 h 58 min
